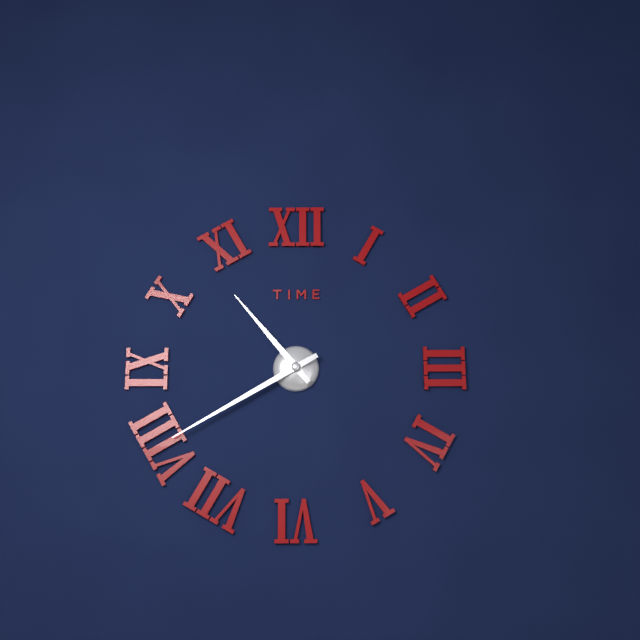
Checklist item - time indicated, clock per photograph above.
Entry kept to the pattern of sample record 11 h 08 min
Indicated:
10 h 40 min
